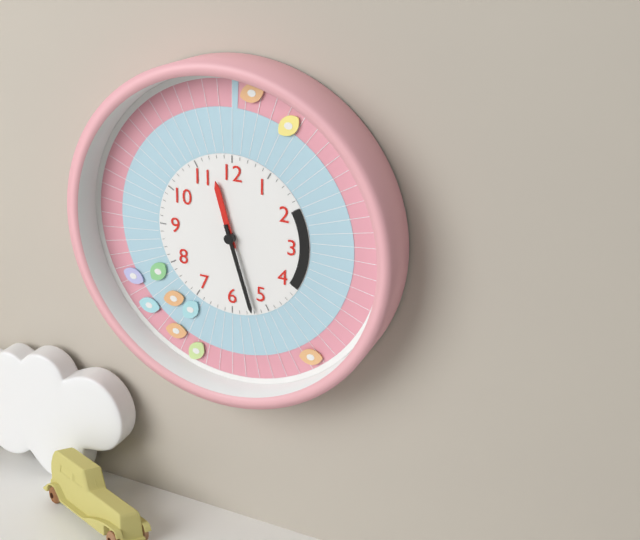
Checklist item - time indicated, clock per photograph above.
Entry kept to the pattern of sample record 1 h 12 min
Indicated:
11 h 27 min
